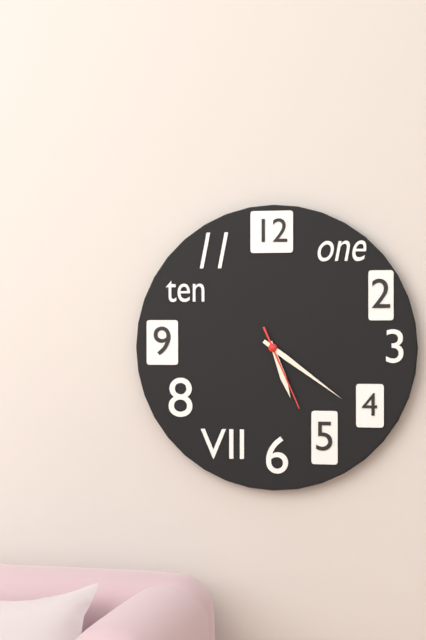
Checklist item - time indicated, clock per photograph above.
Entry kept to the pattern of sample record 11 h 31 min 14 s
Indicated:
5 h 21 min 26 s
